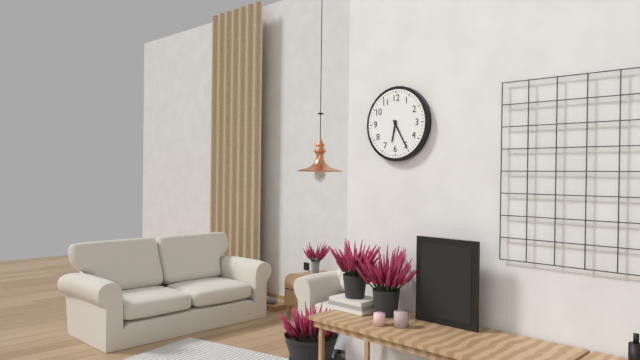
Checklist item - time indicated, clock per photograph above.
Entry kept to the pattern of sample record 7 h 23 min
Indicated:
6 h 25 min
